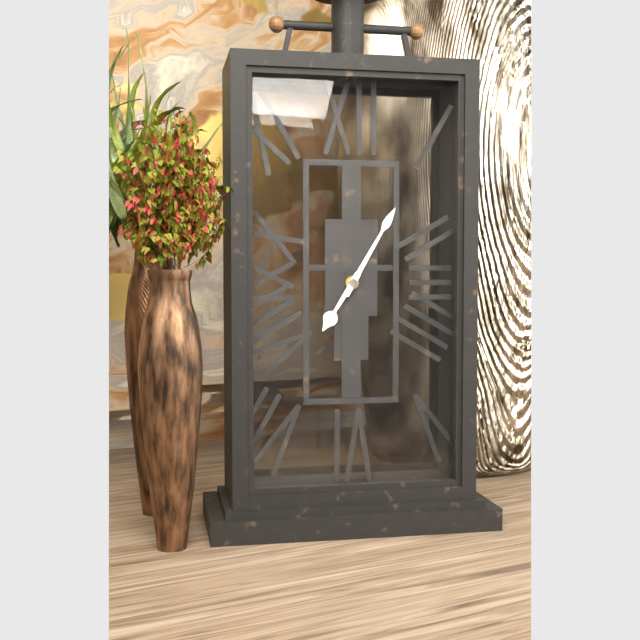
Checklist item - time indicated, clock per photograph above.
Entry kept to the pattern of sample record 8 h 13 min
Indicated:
7 h 05 min
